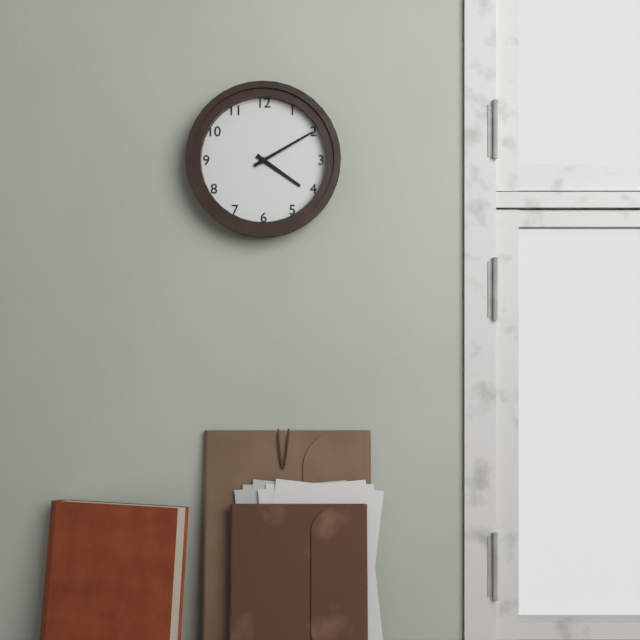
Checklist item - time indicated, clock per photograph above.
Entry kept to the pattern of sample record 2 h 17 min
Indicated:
4 h 10 min
